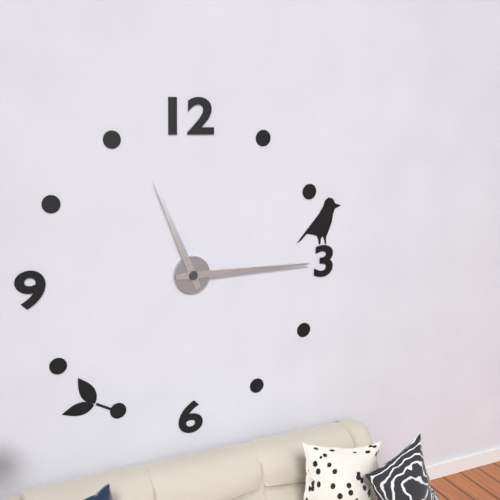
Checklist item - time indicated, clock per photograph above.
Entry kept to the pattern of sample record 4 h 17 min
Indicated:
11 h 15 min
